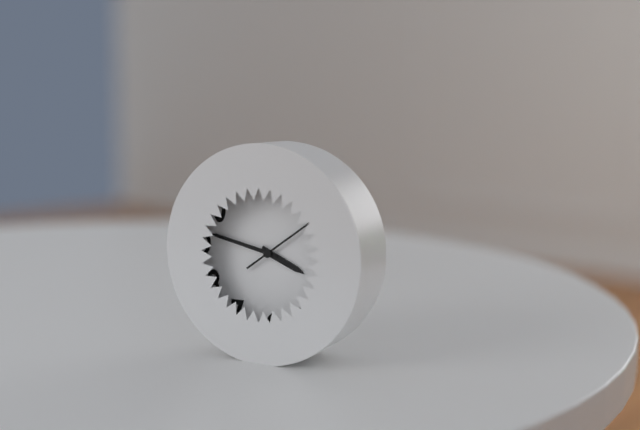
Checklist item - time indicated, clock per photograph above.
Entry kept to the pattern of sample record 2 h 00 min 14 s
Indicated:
3 h 47 min 09 s
